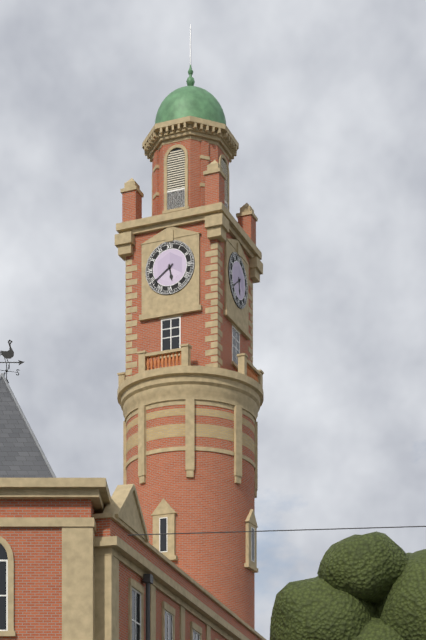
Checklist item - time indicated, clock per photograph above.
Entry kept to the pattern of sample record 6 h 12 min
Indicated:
5 h 39 min
